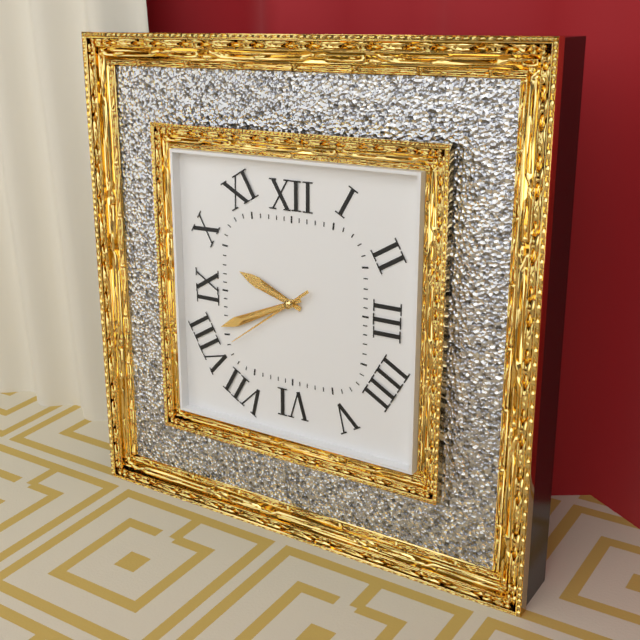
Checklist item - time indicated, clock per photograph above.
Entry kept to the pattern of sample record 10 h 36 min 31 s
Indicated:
9 h 41 min 39 s
